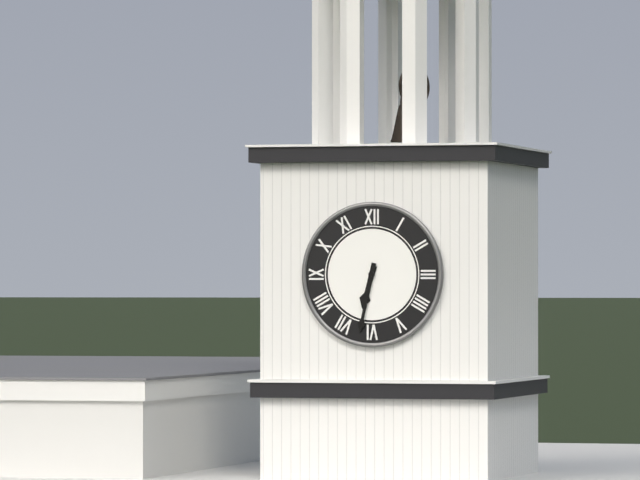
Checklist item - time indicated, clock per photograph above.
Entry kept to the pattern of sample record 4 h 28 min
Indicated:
6 h 32 min
